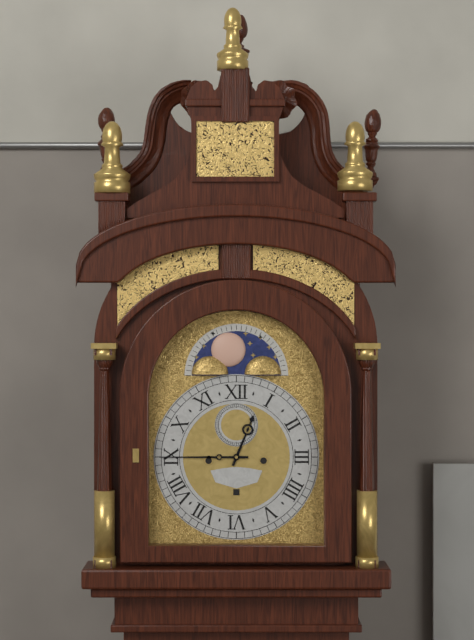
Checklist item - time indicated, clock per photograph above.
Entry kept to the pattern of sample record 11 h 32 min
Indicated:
12 h 45 min
